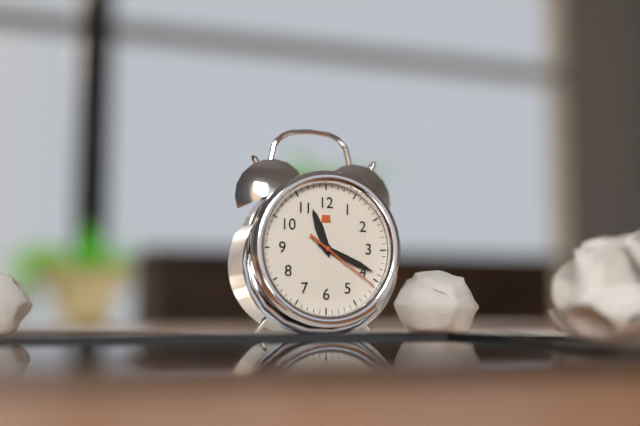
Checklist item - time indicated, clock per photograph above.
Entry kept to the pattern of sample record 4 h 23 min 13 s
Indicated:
11 h 19 min 21 s
